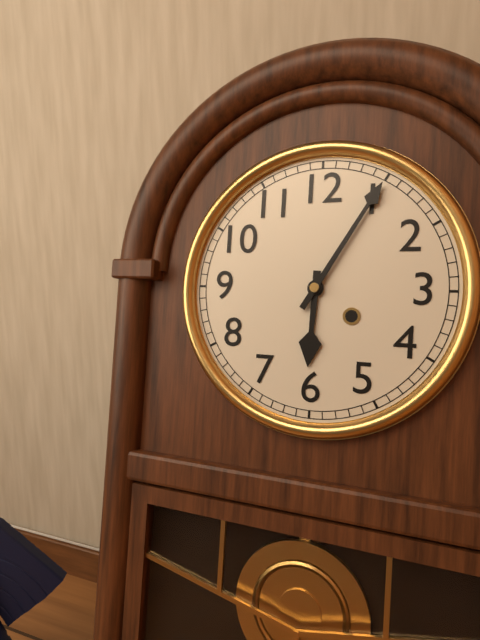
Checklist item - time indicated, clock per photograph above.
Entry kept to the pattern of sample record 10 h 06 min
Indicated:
6 h 05 min
